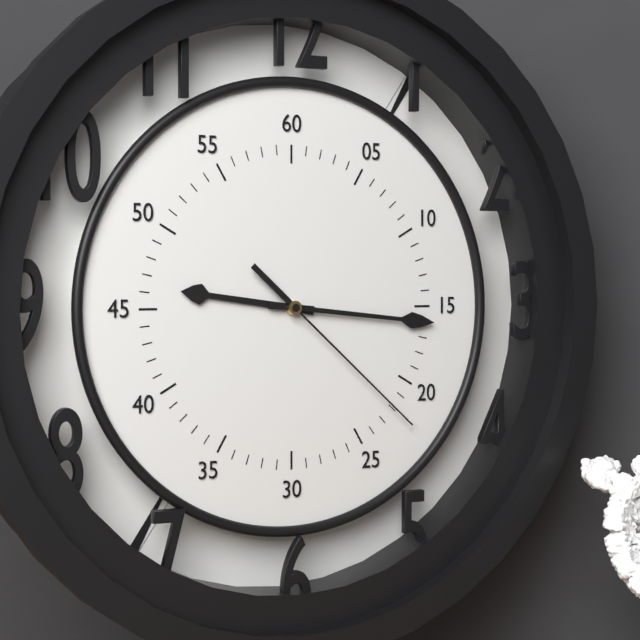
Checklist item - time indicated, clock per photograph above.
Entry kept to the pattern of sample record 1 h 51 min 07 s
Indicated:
9 h 16 min 22 s
